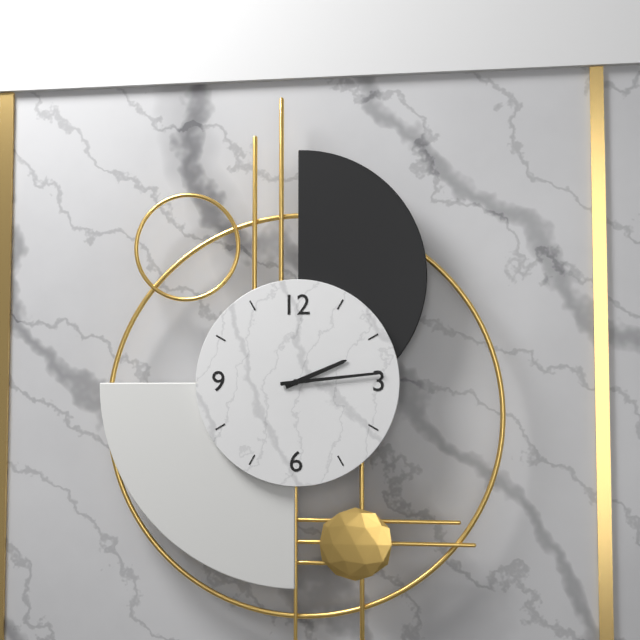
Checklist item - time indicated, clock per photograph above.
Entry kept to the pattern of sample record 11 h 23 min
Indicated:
2 h 14 min
